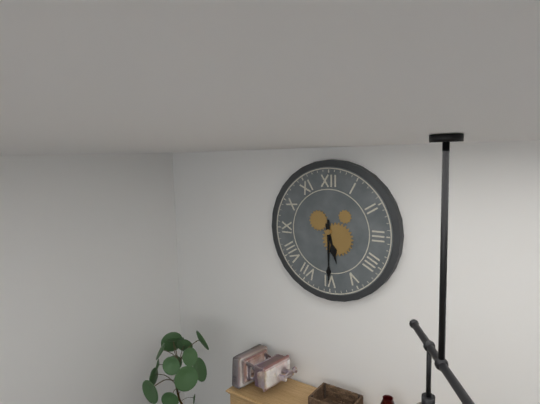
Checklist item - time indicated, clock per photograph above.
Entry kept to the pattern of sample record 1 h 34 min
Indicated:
5 h 30 min
